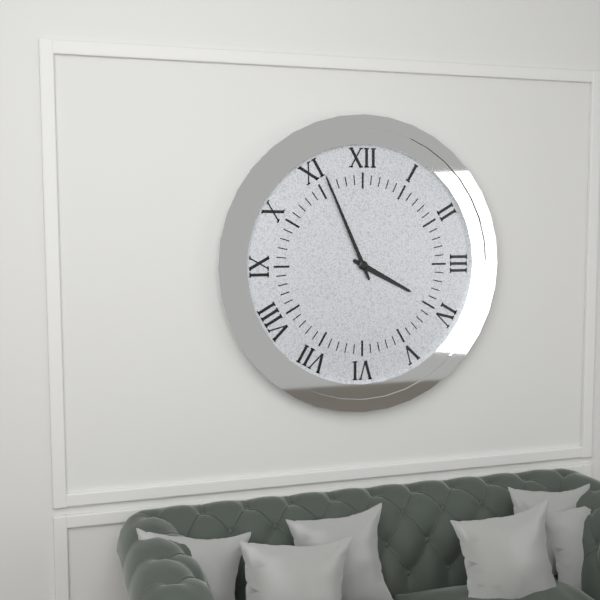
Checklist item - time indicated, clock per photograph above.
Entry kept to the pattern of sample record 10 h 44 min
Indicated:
3 h 56 min
